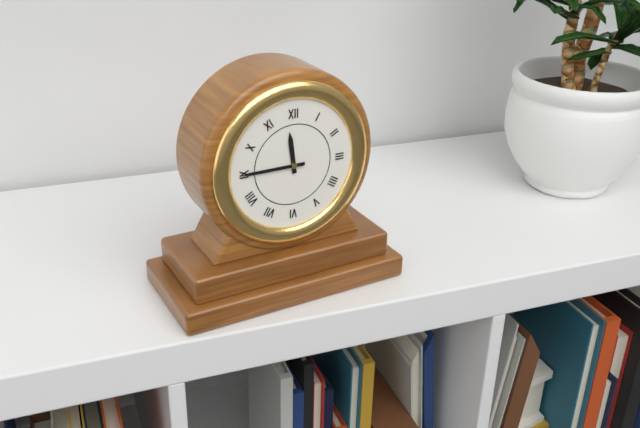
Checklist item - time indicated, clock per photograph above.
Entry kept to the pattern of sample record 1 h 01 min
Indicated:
11 h 45 min
